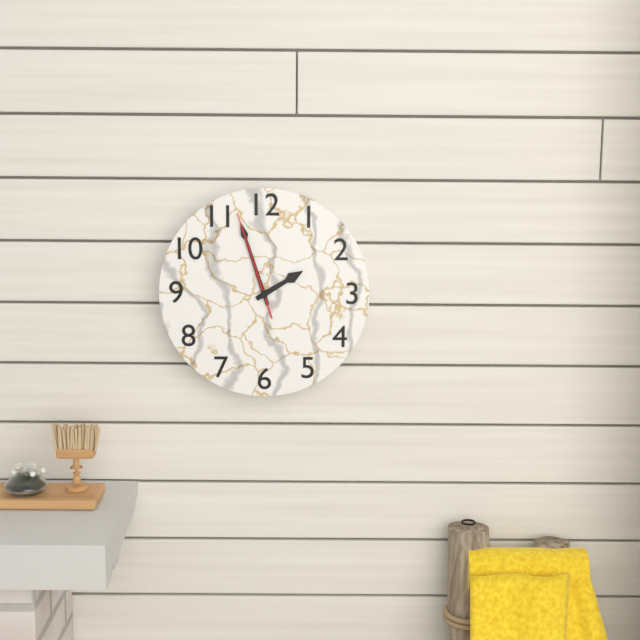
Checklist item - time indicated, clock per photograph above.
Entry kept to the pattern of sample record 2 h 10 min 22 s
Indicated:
1 h 57 min 57 s
